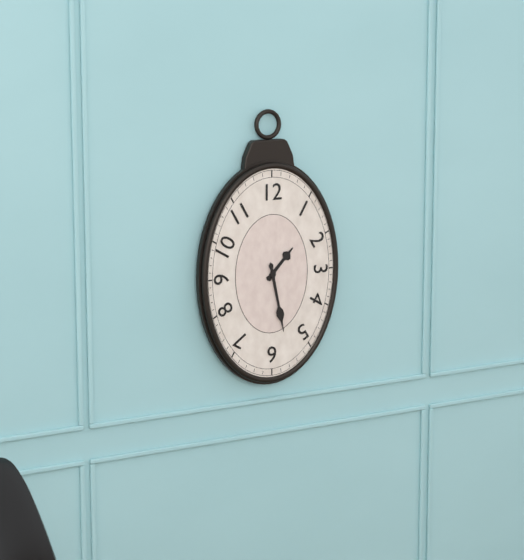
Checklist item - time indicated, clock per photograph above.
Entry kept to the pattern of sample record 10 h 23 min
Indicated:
1 h 28 min
